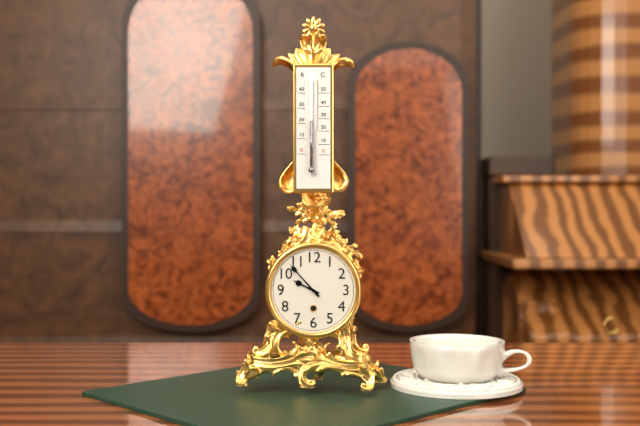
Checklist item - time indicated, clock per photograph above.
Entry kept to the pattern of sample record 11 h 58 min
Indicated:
9 h 53 min
